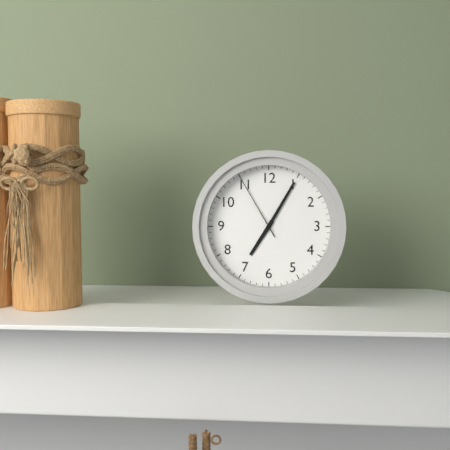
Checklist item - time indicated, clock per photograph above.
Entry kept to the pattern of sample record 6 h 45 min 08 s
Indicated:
7 h 05 min 55 s
